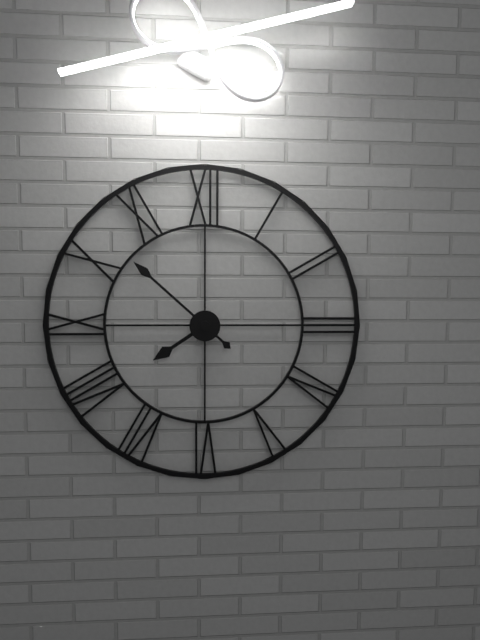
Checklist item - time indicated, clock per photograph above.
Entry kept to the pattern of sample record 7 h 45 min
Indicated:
7 h 52 min
